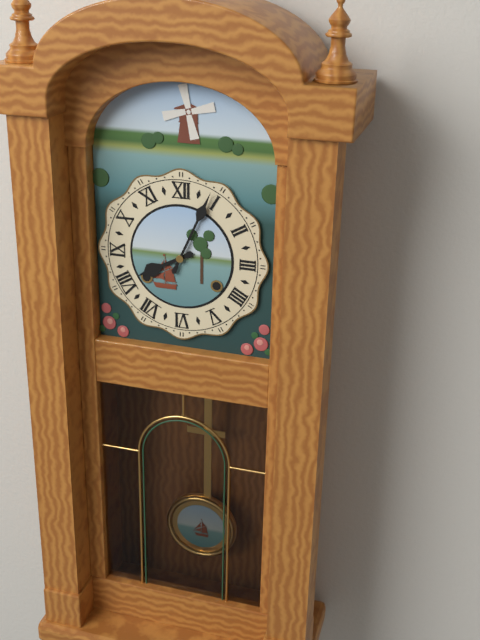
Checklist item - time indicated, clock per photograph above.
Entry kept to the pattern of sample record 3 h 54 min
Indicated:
8 h 04 min
